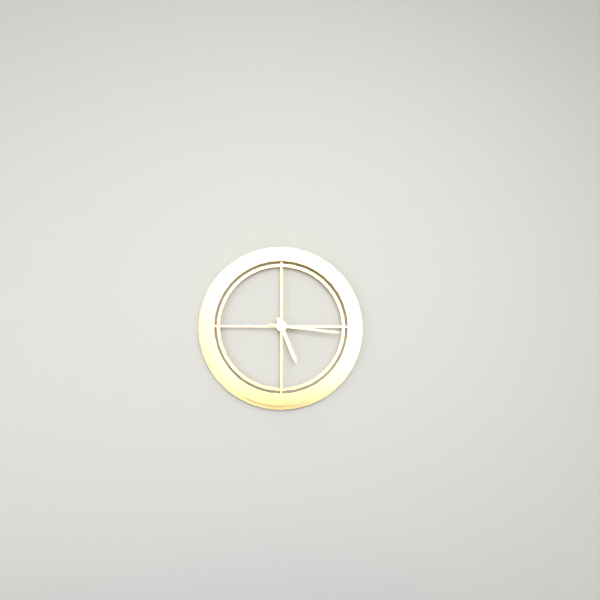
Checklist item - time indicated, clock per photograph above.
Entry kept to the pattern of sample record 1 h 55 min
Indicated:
5 h 16 min
